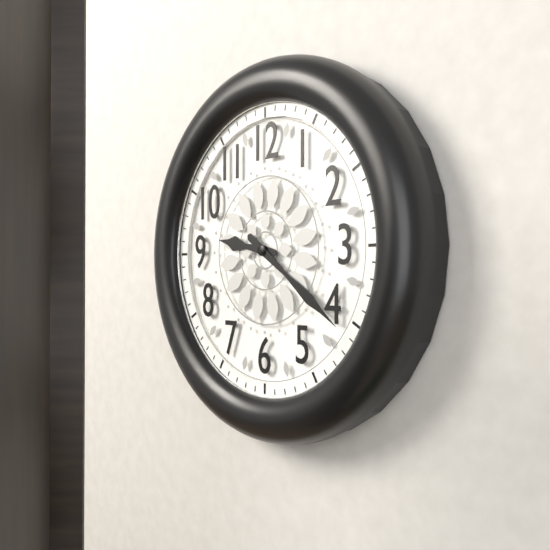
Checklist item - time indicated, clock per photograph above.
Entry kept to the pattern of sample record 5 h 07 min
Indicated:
9 h 21 min
